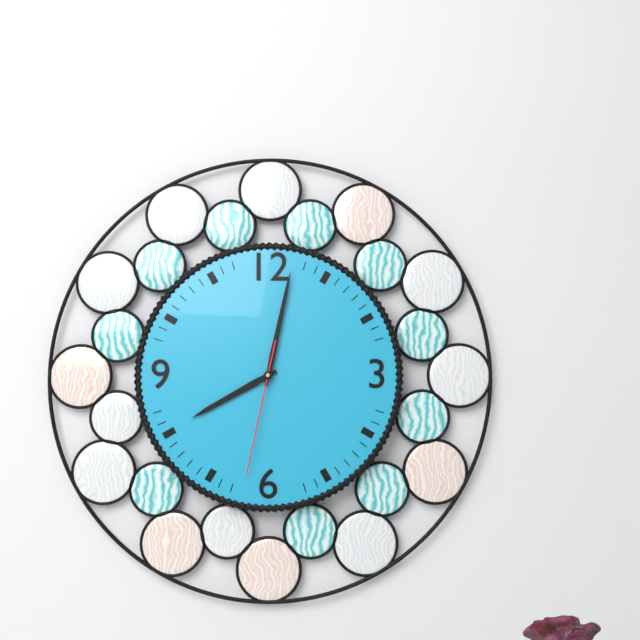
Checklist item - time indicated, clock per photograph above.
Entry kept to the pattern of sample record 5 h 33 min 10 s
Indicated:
8 h 02 min 32 s
